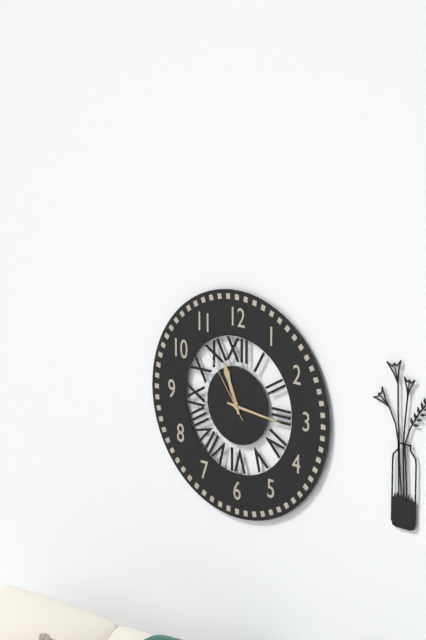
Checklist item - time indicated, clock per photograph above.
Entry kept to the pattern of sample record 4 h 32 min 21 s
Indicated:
11 h 16 min 54 s
